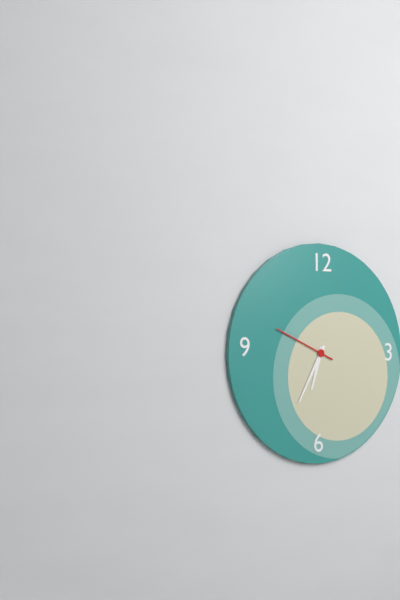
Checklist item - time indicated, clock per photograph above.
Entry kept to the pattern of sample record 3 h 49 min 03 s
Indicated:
6 h 35 min 49 s
